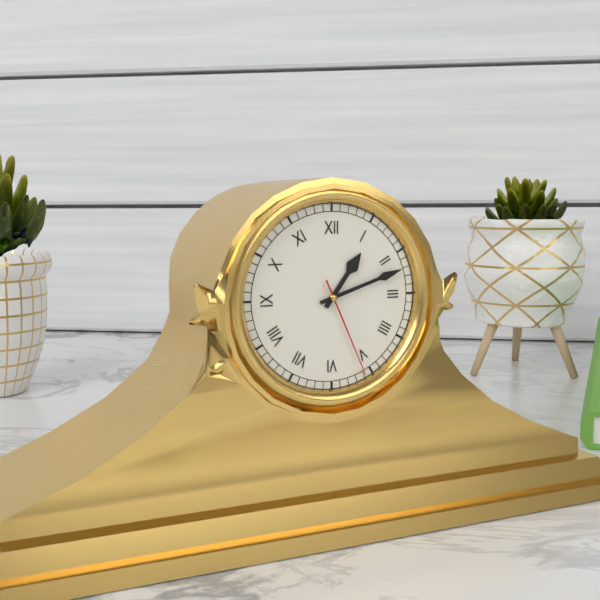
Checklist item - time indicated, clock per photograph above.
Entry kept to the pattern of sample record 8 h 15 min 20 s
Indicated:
1 h 12 min 26 s
